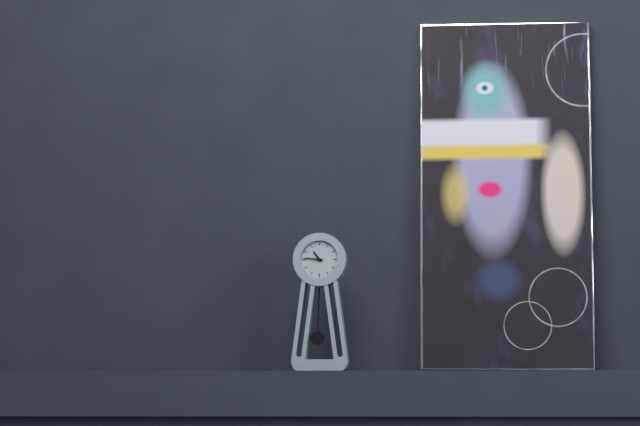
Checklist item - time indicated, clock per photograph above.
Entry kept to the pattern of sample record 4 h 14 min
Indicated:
10 h 46 min
